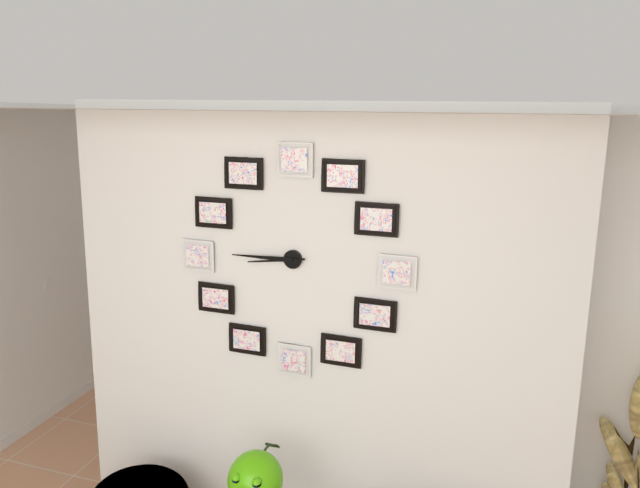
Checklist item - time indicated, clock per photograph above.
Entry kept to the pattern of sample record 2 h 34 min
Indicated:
8 h 45 min
